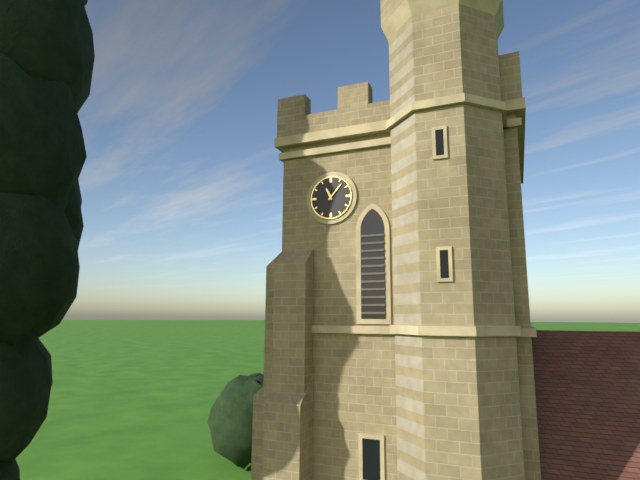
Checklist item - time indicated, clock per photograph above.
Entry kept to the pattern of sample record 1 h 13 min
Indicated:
11 h 07 min
